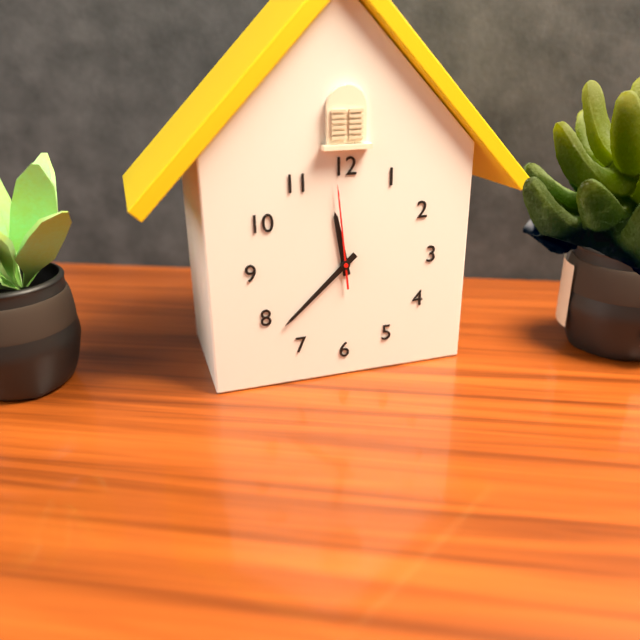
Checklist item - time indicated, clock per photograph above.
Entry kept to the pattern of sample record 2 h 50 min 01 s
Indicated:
11 h 38 min 59 s
